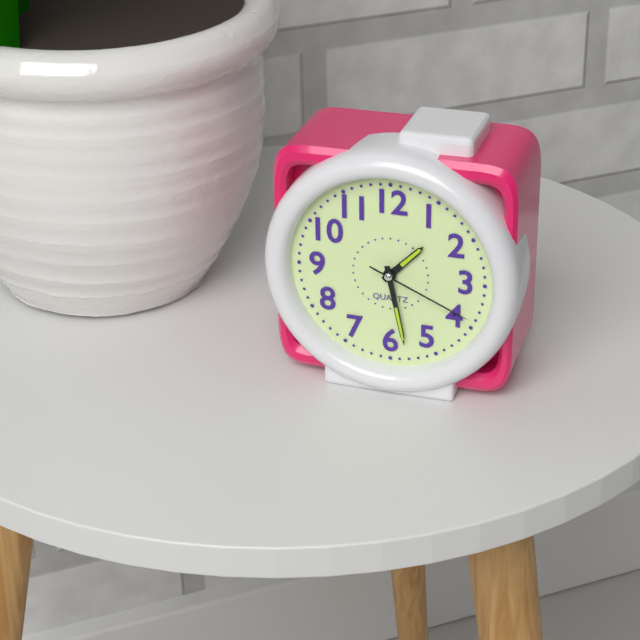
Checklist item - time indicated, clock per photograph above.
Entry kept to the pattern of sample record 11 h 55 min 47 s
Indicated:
1 h 28 min 19 s
